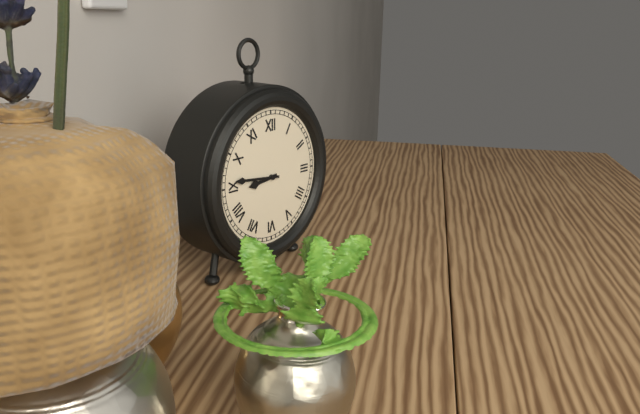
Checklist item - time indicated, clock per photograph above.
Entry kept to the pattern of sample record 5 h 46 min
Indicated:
8 h 46 min
